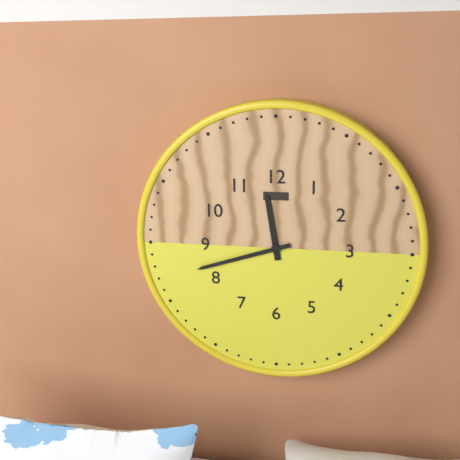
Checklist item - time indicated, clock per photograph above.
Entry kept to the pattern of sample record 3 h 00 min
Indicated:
11 h 42 min
